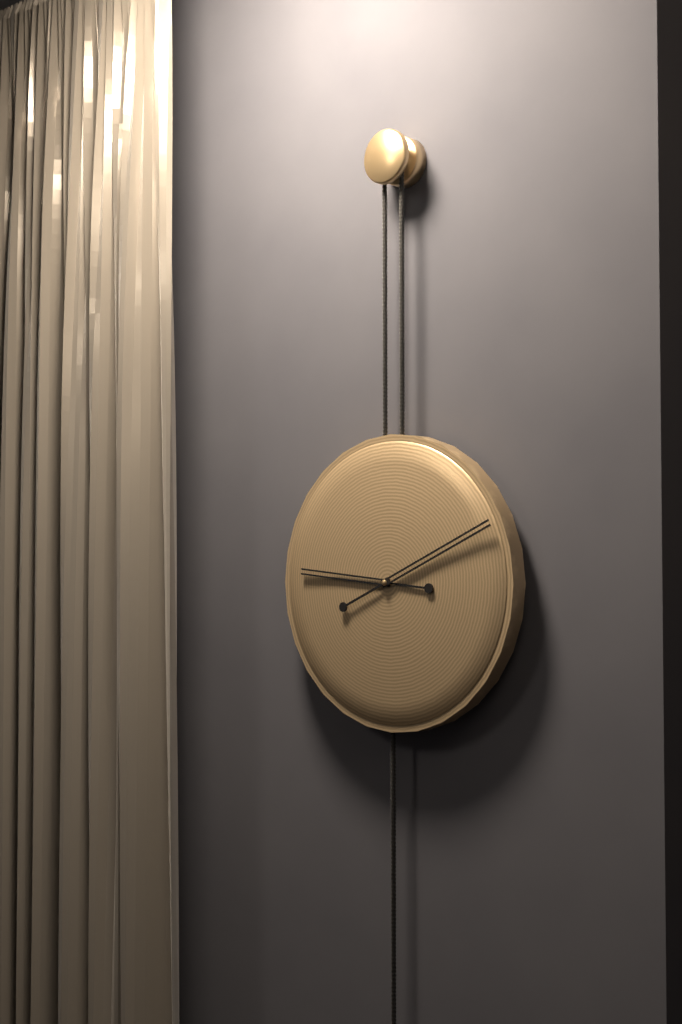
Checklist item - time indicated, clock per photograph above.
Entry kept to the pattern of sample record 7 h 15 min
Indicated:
9 h 11 min
